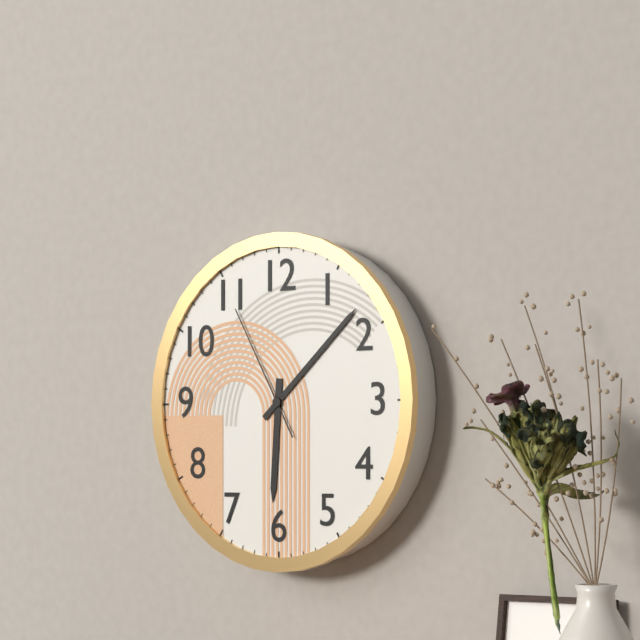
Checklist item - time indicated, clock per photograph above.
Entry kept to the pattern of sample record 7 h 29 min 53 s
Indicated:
6 h 08 min 55 s
